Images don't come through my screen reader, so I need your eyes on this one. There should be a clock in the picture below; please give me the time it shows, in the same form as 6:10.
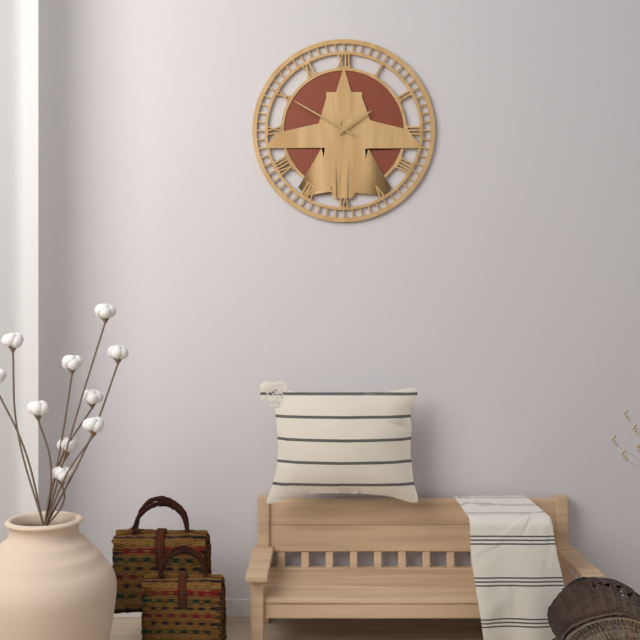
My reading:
1:50
